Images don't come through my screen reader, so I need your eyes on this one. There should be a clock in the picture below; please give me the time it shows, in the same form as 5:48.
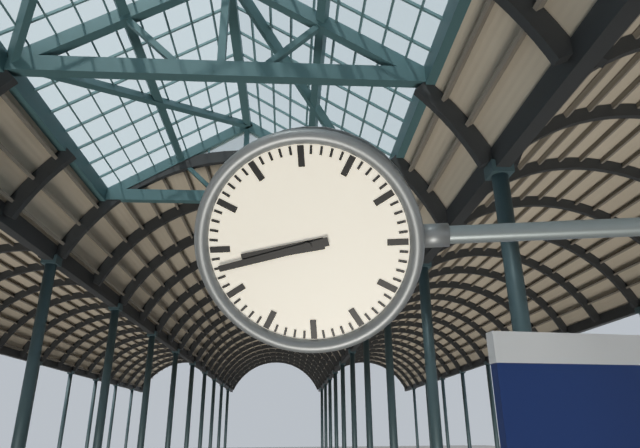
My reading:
8:43
